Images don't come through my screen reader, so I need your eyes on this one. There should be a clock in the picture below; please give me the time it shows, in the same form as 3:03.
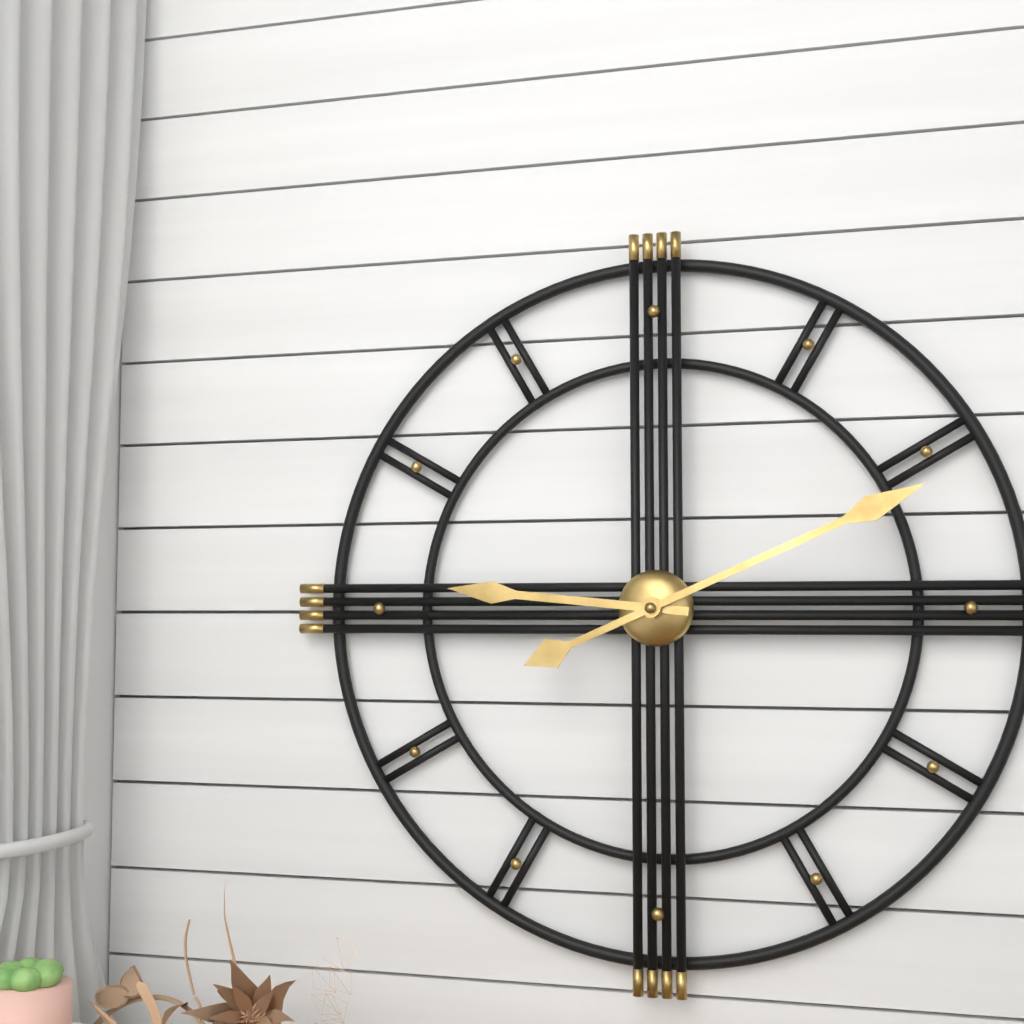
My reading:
9:11
